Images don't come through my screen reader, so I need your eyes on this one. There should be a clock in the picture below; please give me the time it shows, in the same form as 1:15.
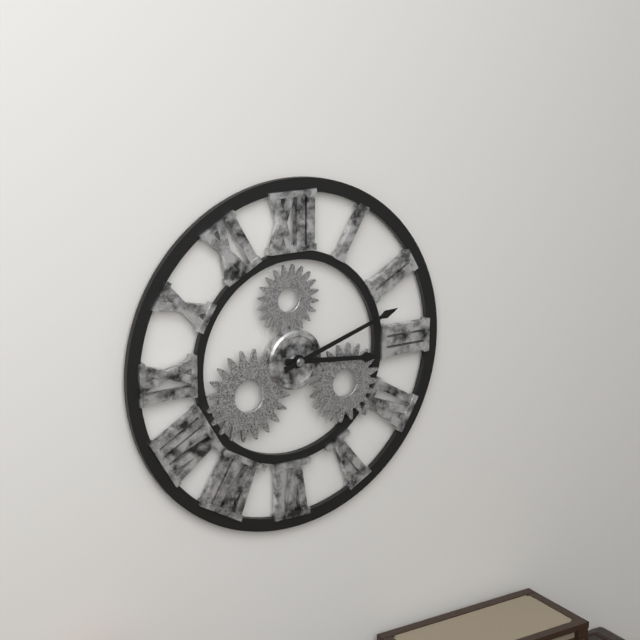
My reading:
3:12
